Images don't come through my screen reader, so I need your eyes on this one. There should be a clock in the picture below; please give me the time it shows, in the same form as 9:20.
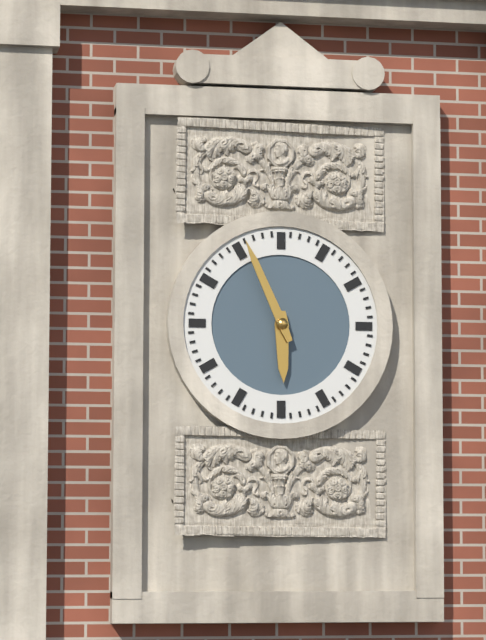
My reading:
5:56
